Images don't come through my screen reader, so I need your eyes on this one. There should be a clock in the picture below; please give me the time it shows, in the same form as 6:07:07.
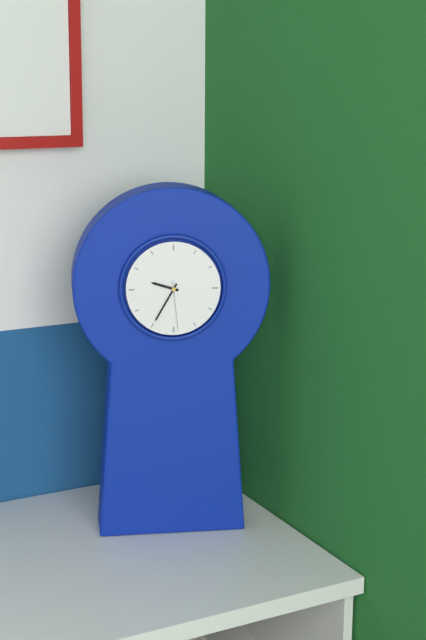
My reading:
9:35:29
